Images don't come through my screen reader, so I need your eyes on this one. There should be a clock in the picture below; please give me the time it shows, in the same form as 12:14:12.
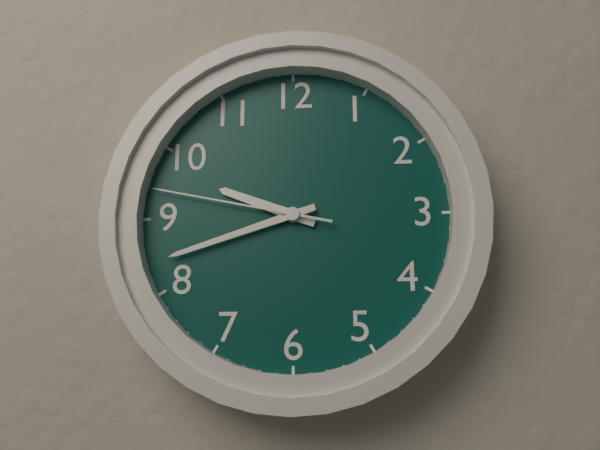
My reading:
9:42:47
